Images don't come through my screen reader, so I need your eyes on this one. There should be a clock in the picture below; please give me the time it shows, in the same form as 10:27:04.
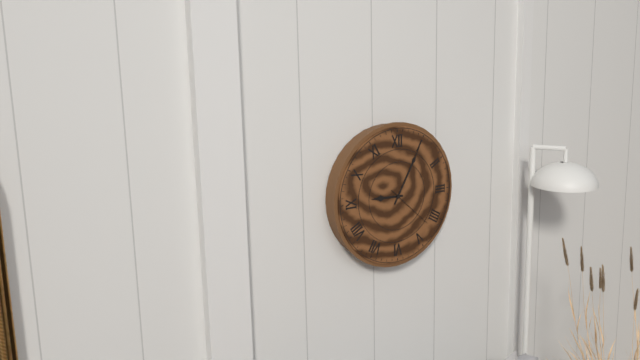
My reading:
9:05:22
